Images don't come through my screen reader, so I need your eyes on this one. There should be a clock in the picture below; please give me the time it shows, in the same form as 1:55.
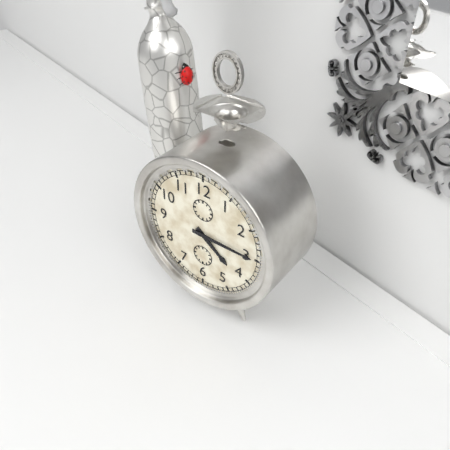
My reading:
4:15
